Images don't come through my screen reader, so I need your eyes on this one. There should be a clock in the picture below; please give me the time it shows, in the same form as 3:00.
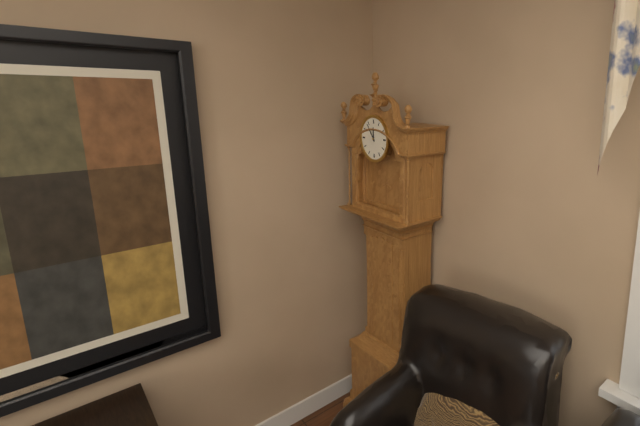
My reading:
11:54
